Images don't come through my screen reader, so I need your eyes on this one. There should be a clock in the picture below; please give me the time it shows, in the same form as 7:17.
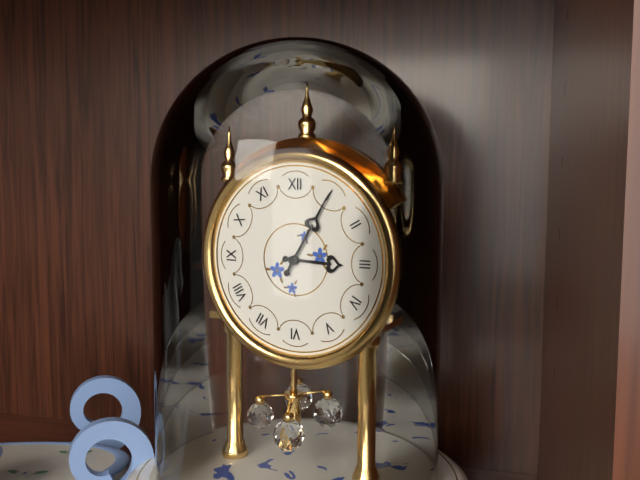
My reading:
3:05
